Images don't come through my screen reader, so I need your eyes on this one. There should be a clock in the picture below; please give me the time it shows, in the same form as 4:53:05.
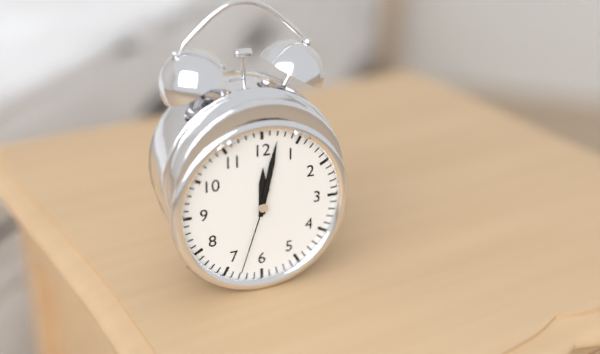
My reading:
12:02:33
